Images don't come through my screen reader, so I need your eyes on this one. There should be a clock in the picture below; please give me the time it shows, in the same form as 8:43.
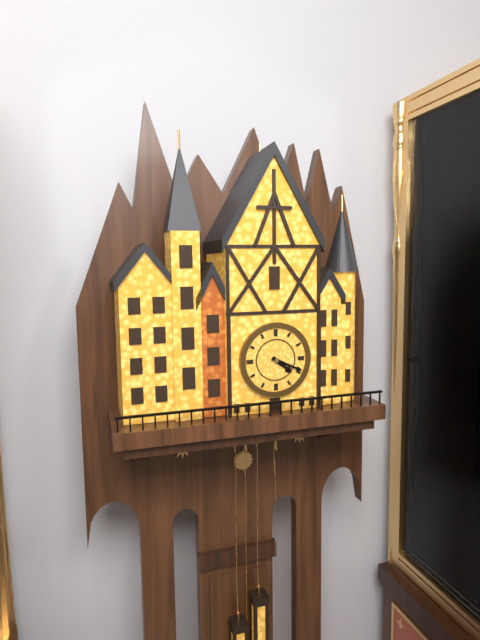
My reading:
4:19
